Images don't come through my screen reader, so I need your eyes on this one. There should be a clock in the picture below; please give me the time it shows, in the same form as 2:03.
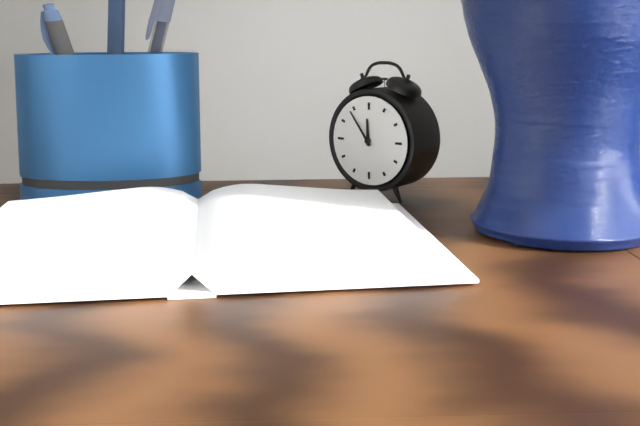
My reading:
11:54
